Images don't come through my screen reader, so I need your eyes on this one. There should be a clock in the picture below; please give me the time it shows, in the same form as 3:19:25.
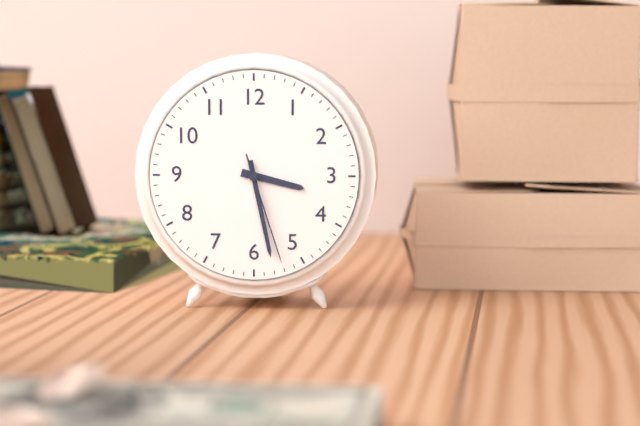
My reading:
3:28:27
